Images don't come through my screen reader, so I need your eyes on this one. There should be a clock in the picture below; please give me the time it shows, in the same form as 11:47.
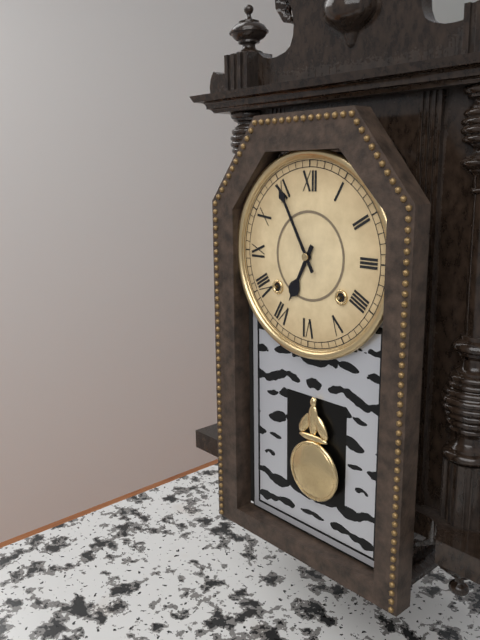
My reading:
6:55
